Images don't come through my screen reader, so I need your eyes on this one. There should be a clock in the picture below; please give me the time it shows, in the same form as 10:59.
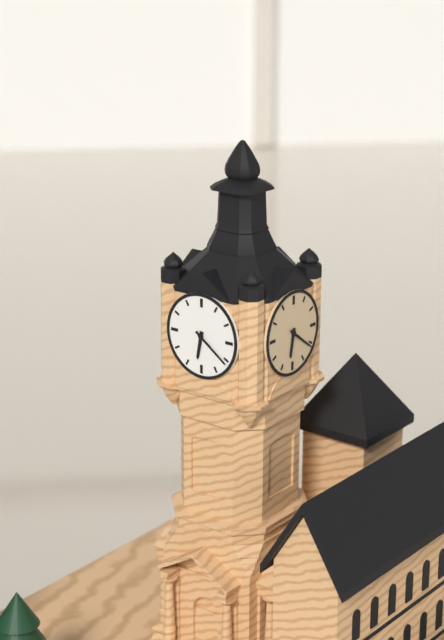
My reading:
6:21
